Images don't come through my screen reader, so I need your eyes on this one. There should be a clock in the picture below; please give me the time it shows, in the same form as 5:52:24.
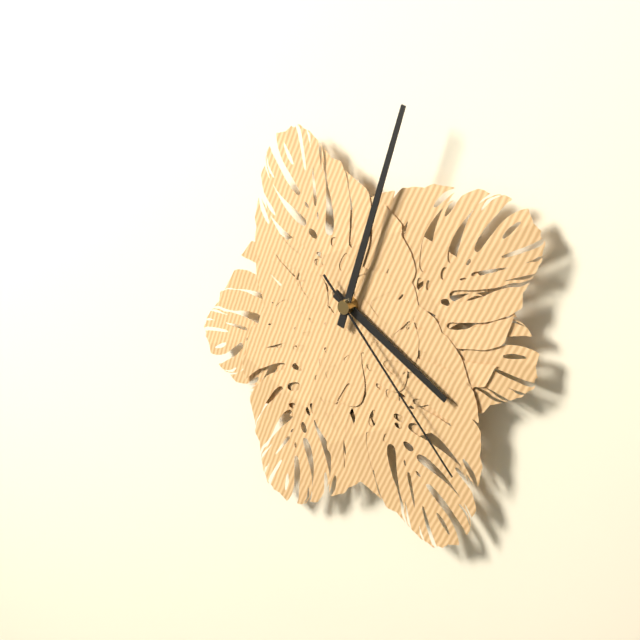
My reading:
4:03:23
